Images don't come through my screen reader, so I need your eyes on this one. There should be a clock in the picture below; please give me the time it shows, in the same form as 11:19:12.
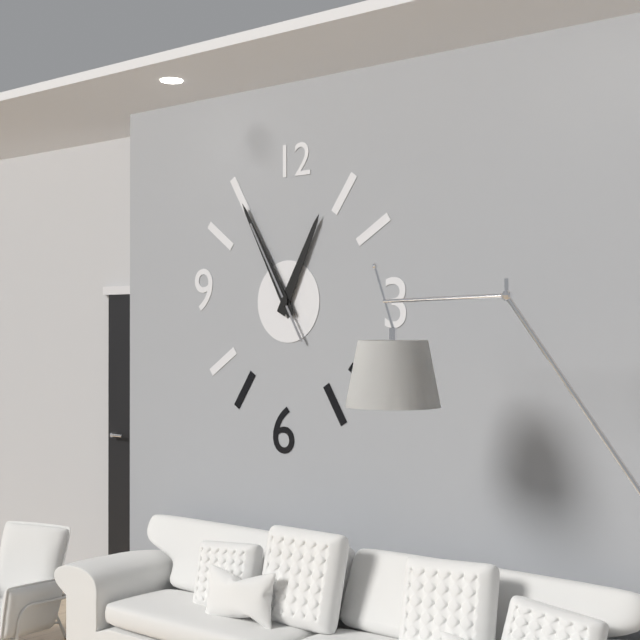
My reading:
12:55:55
